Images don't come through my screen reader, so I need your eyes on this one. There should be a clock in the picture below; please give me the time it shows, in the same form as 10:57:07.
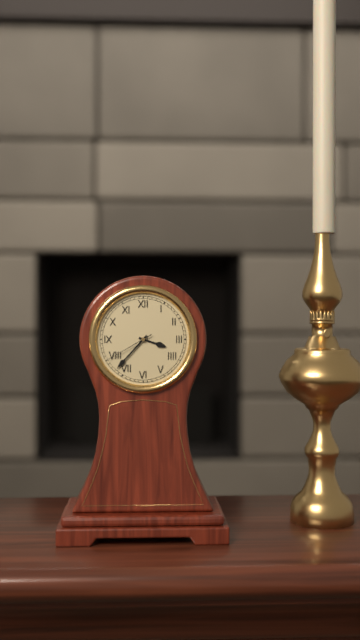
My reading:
3:37:40
